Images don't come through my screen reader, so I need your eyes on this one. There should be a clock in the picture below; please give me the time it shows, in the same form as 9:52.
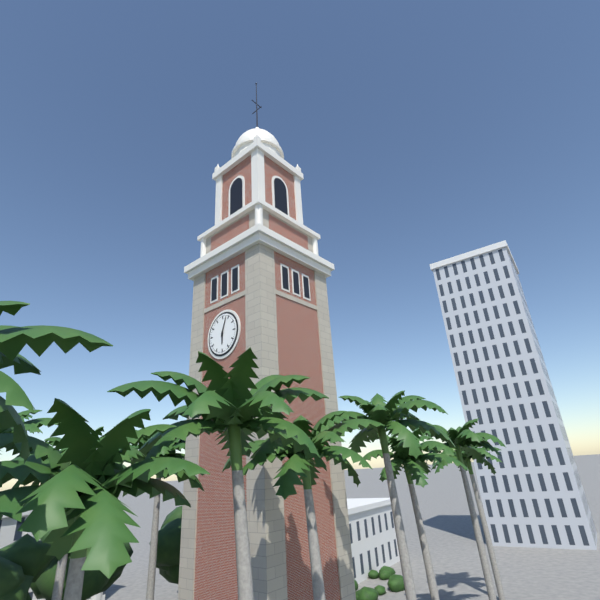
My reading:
6:03
